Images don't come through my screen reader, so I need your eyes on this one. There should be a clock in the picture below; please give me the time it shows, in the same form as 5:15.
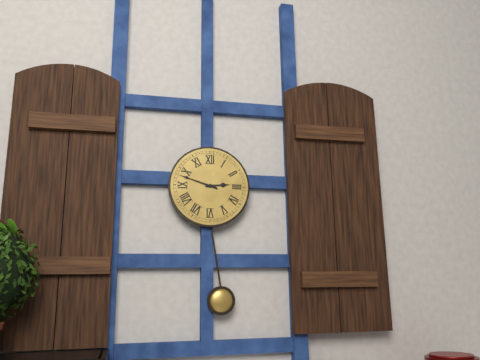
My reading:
2:48
